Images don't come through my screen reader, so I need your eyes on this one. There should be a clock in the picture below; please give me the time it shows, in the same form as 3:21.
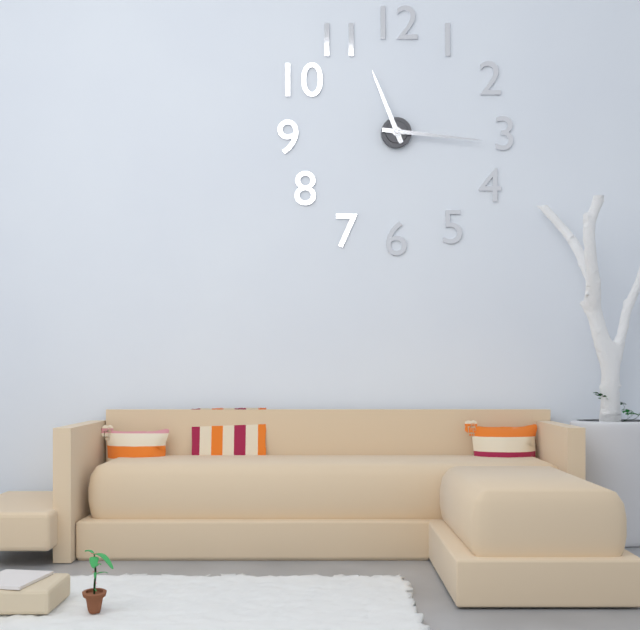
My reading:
11:16
